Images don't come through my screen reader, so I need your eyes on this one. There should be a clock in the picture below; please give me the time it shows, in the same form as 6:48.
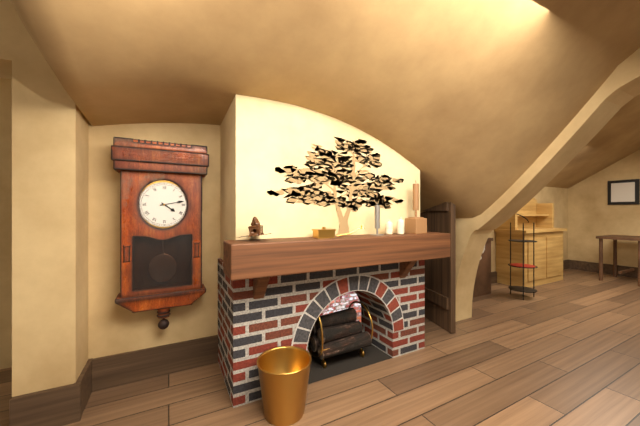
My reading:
4:13
